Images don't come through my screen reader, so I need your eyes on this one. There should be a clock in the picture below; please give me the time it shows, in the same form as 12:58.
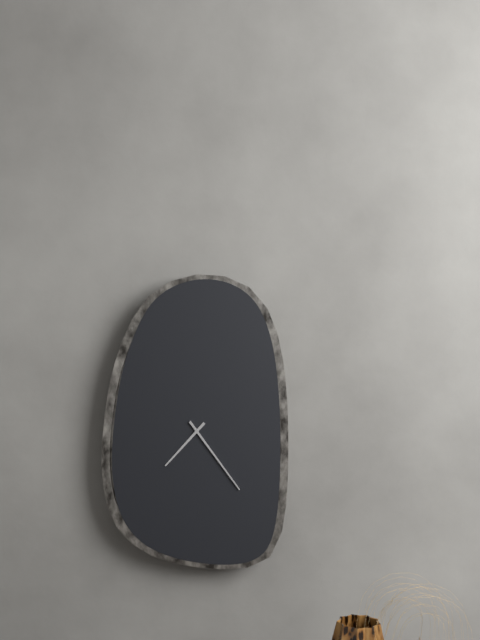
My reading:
7:24
